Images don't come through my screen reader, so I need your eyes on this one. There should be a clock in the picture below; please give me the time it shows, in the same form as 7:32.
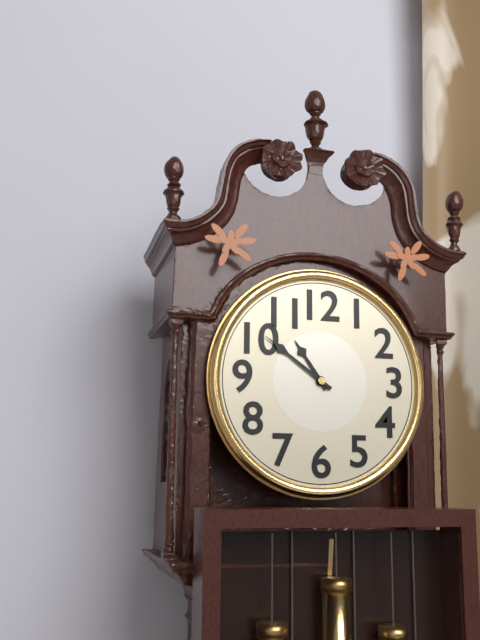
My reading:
10:51
